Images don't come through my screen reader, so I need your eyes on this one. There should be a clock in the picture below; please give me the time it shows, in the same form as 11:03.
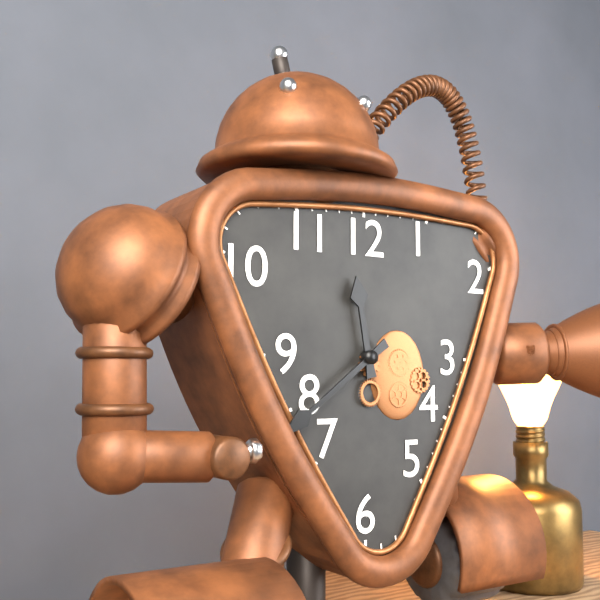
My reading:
11:39
